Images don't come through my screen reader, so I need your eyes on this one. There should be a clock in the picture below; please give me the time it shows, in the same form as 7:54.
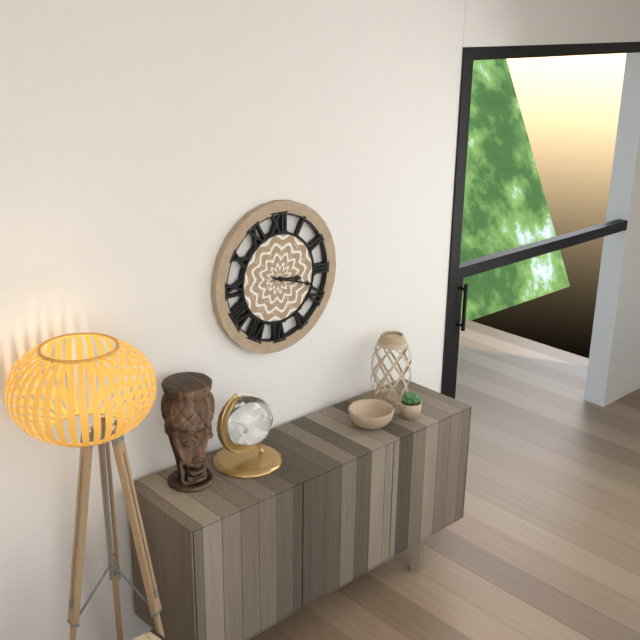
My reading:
3:18
